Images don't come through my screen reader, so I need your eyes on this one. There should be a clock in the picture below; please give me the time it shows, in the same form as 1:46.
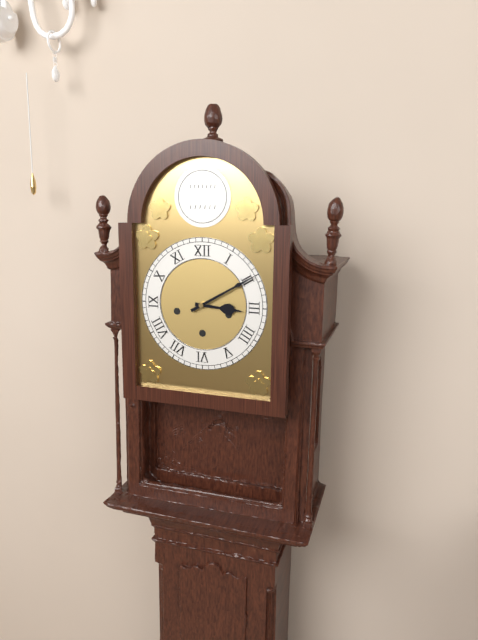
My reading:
3:10
